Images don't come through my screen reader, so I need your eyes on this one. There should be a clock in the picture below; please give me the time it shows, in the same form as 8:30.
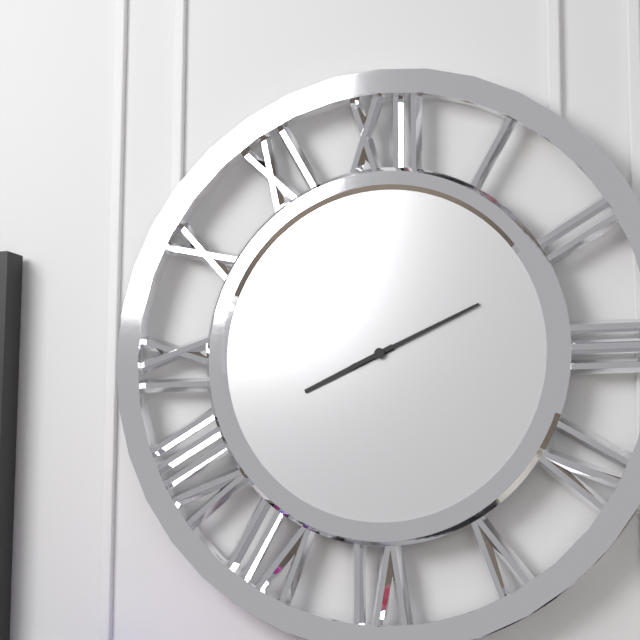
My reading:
8:11
